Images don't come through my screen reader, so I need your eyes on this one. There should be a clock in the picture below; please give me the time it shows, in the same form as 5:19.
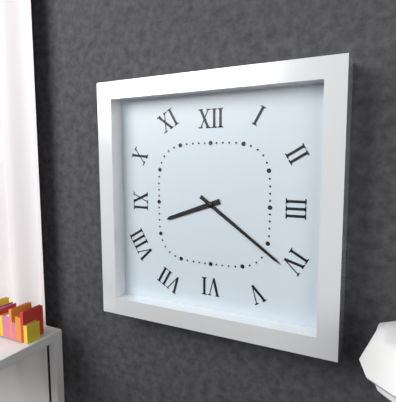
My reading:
8:21
